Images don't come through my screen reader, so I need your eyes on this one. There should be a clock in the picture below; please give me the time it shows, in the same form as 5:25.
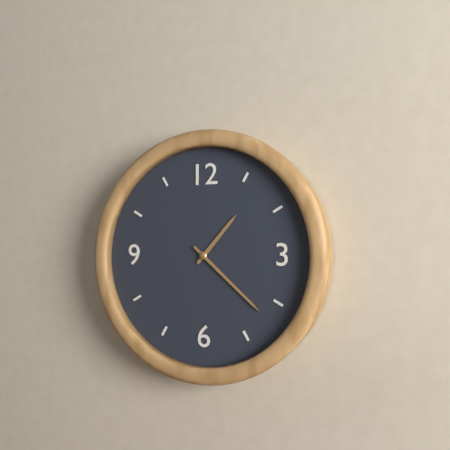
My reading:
1:22
